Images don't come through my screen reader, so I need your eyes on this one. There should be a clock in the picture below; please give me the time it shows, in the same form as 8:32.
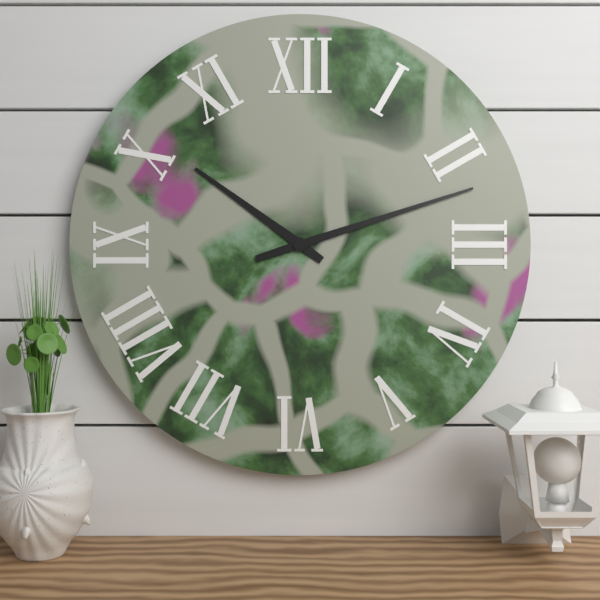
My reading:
10:12
